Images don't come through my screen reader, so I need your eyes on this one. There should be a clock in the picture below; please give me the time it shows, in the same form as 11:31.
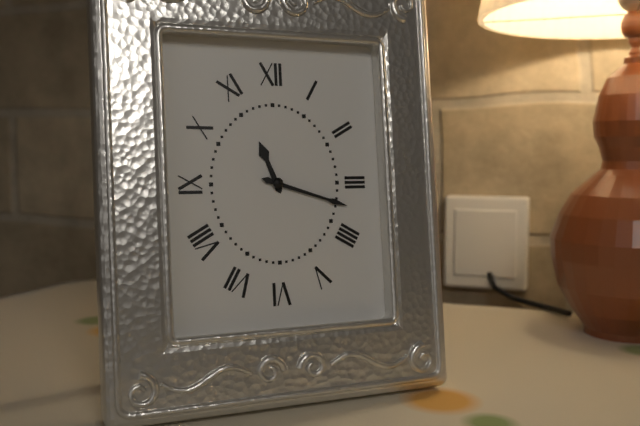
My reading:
11:18
